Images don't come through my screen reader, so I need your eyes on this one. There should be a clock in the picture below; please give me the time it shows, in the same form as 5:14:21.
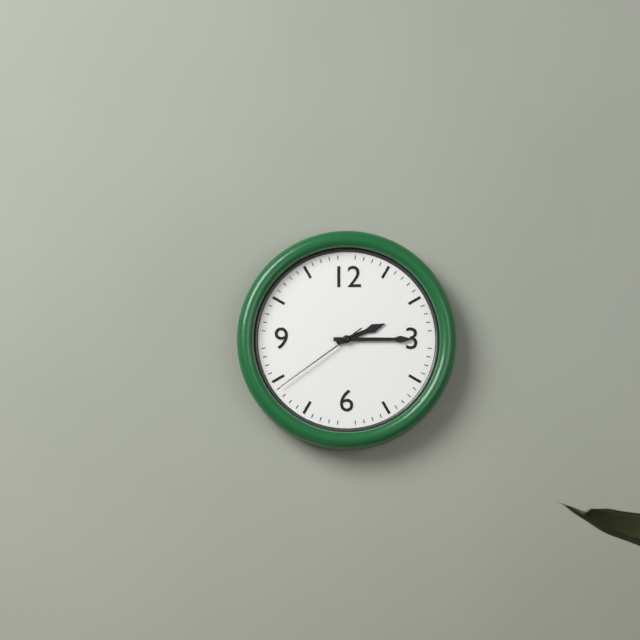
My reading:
2:15:39
